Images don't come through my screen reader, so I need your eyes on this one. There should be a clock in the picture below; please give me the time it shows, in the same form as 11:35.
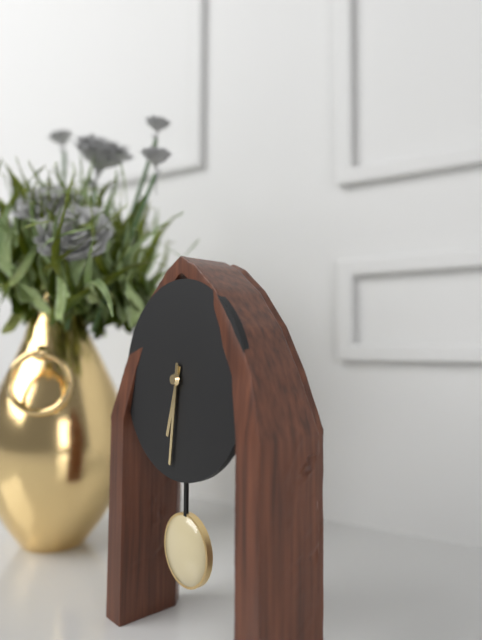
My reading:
6:31
